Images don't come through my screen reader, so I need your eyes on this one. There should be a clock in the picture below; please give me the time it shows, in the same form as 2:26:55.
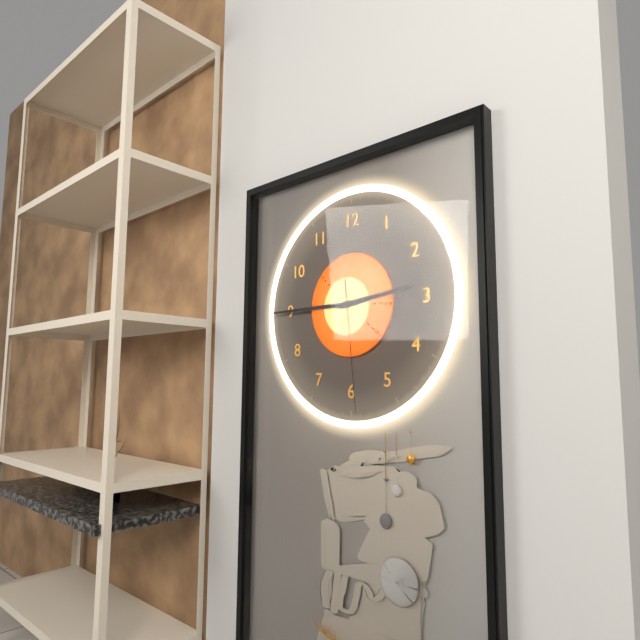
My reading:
2:45:29
